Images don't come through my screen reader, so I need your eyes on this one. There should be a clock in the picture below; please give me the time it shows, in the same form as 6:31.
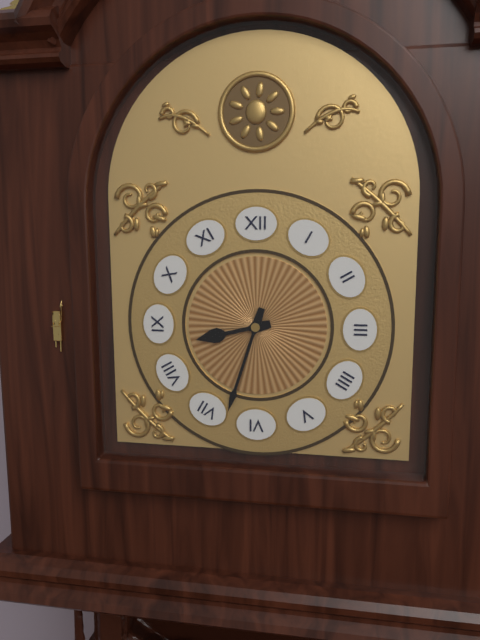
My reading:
8:33
